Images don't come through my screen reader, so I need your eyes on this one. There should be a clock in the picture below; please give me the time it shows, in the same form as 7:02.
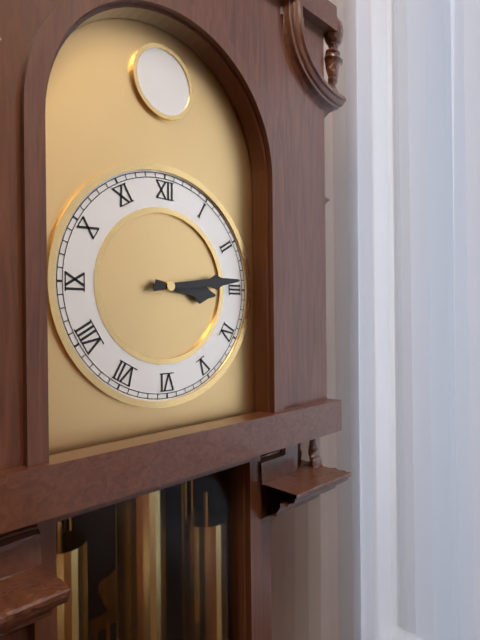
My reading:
3:14
